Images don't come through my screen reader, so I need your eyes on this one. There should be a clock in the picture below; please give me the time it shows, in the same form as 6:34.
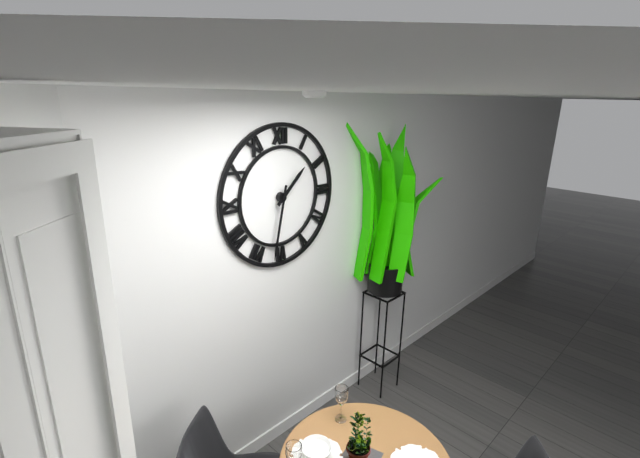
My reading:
1:32
